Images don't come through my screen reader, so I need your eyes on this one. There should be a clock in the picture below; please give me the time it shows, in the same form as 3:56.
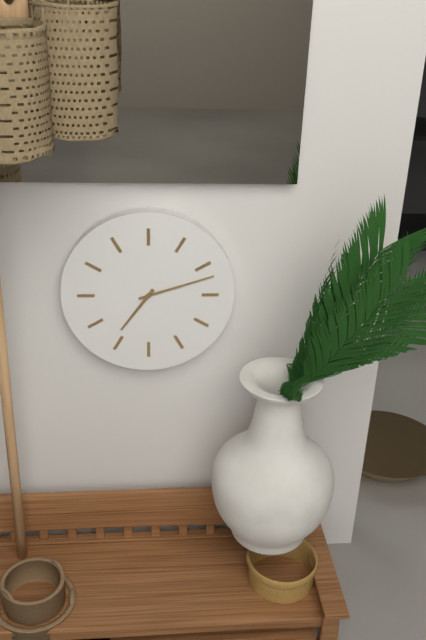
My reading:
7:12
